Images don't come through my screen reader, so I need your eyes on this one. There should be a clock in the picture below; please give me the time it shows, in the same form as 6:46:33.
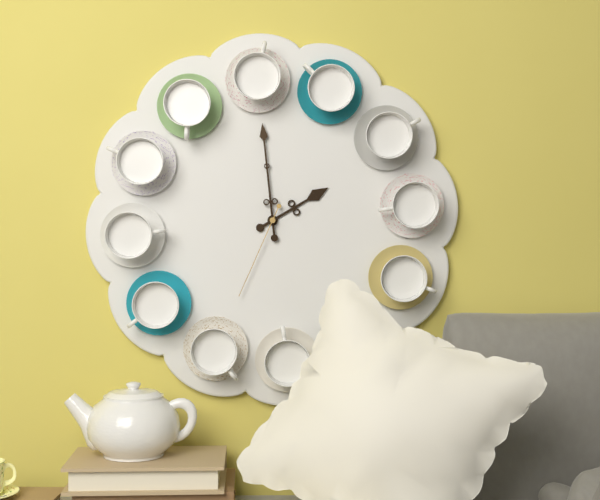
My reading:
1:59:34
